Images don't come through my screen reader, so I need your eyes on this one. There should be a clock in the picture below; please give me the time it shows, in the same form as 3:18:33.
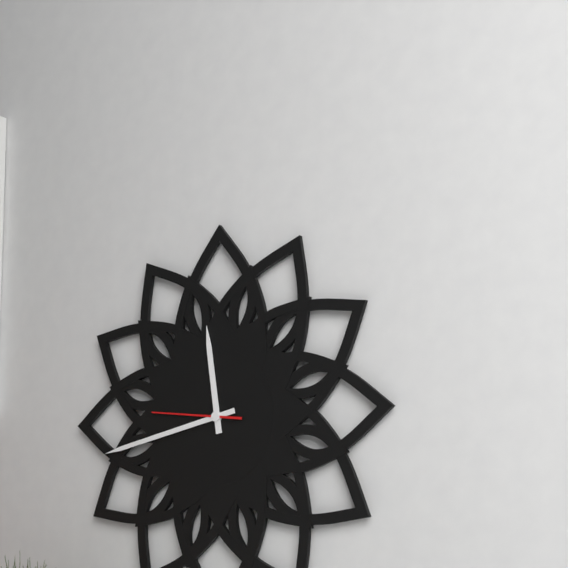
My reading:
11:43:46
